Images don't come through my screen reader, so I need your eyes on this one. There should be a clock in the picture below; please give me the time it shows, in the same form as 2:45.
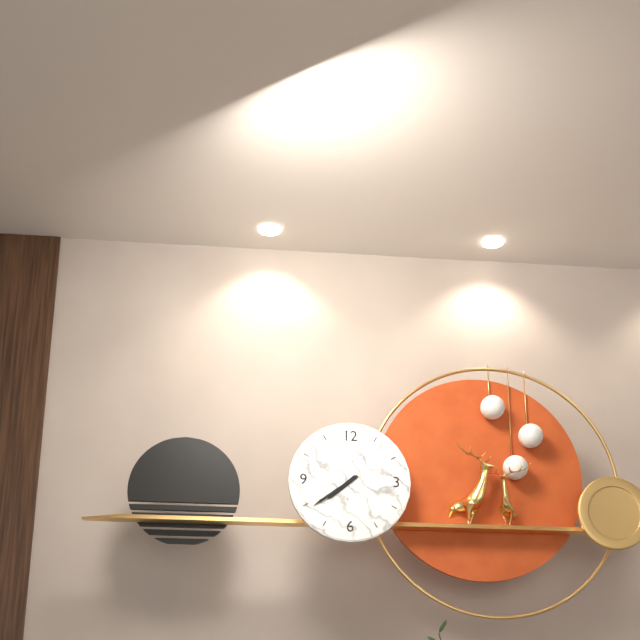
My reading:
7:39
